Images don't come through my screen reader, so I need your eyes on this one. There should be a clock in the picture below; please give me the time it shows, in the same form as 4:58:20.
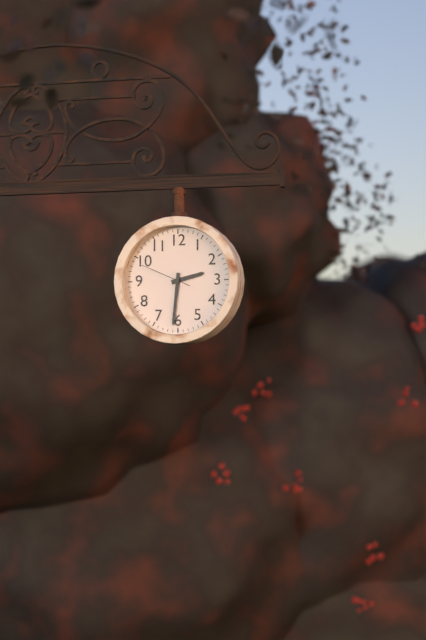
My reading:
2:31:49
